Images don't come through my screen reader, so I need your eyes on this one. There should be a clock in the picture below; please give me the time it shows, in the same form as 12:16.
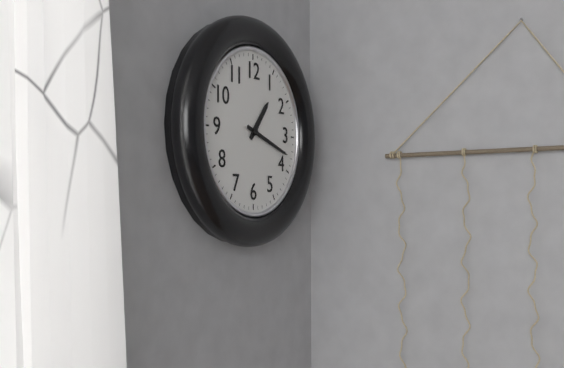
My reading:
1:18
